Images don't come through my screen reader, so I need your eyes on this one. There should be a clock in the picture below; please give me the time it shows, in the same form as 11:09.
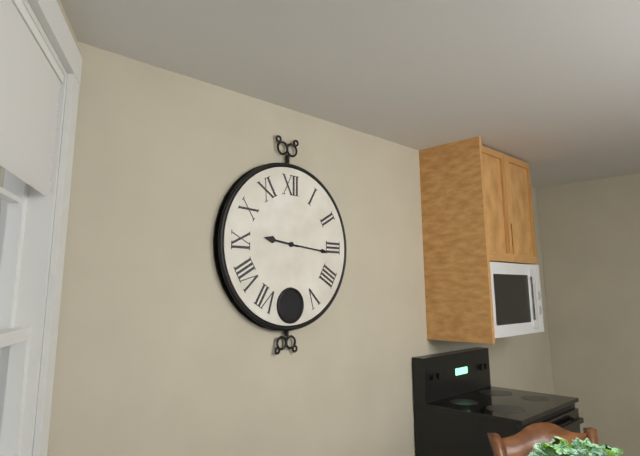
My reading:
9:16
